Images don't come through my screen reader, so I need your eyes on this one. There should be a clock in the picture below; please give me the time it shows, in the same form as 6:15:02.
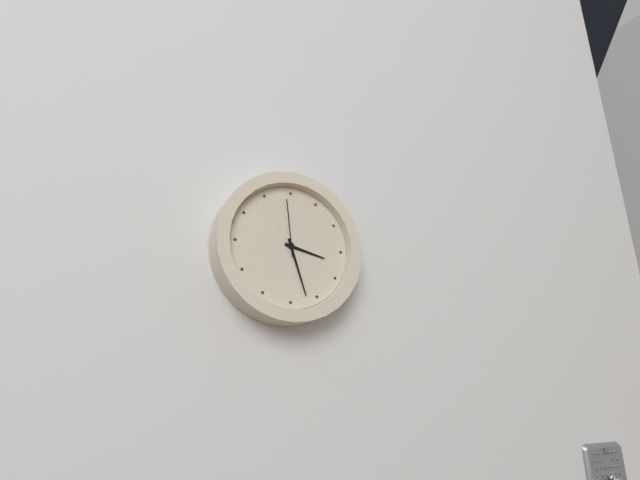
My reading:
3:27:59
